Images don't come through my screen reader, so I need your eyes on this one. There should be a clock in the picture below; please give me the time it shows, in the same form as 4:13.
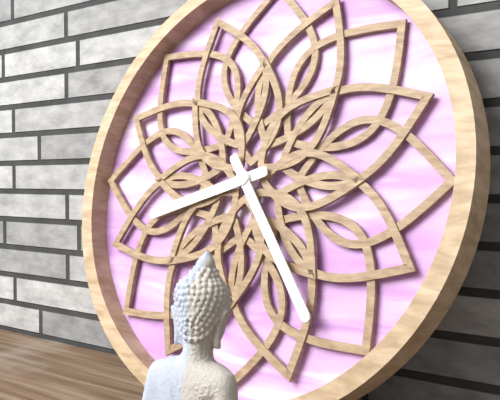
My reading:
8:24
